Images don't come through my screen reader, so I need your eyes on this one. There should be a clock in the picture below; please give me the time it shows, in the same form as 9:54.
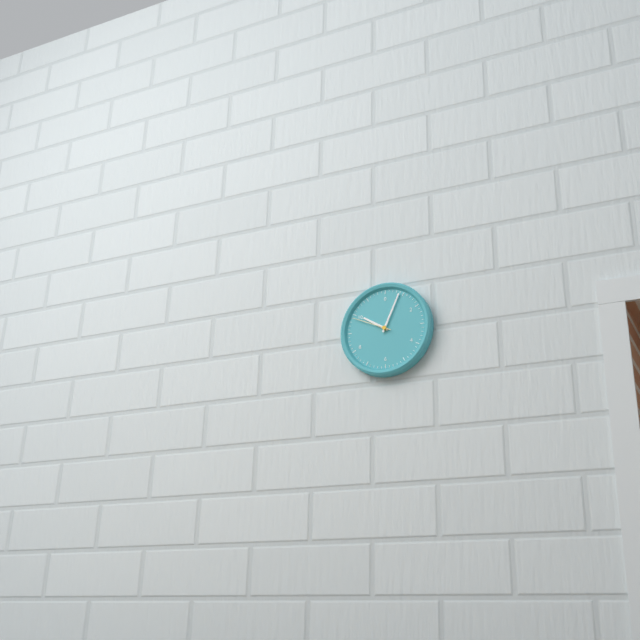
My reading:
10:04
